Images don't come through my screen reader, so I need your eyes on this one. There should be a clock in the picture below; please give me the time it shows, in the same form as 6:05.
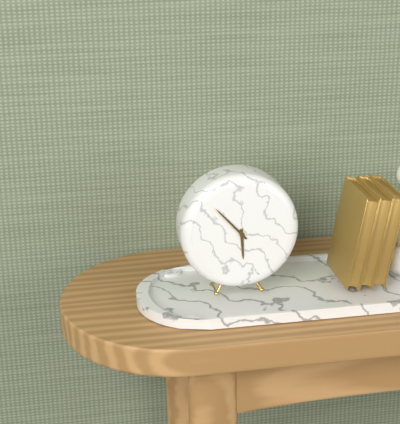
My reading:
5:53
